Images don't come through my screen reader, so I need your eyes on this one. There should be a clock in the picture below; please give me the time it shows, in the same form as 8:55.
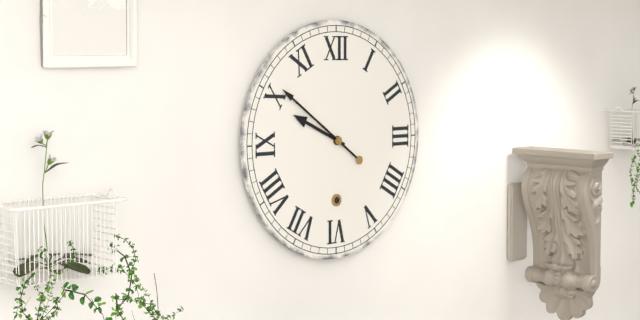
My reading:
9:51
